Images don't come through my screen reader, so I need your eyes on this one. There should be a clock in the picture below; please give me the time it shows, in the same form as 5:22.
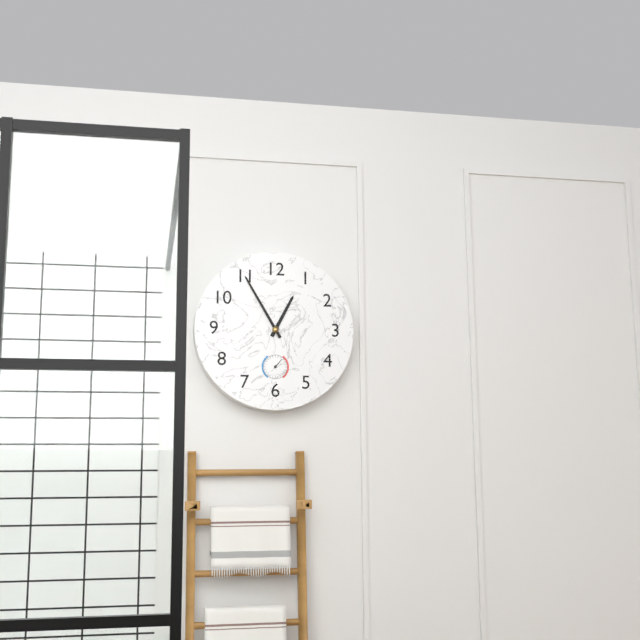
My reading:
12:55
